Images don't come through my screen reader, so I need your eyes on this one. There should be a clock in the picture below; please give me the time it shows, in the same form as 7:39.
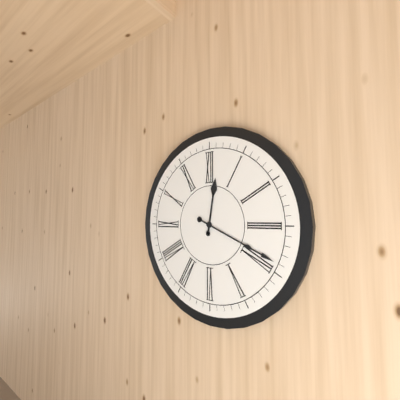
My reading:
12:19
